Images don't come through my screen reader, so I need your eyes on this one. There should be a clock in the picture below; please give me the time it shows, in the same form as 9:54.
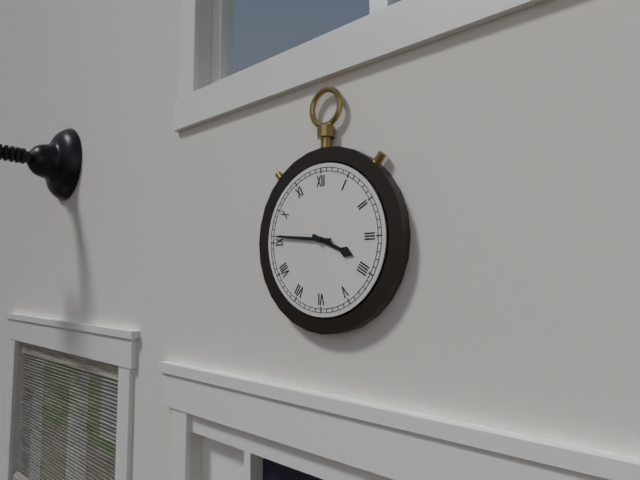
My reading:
3:46
